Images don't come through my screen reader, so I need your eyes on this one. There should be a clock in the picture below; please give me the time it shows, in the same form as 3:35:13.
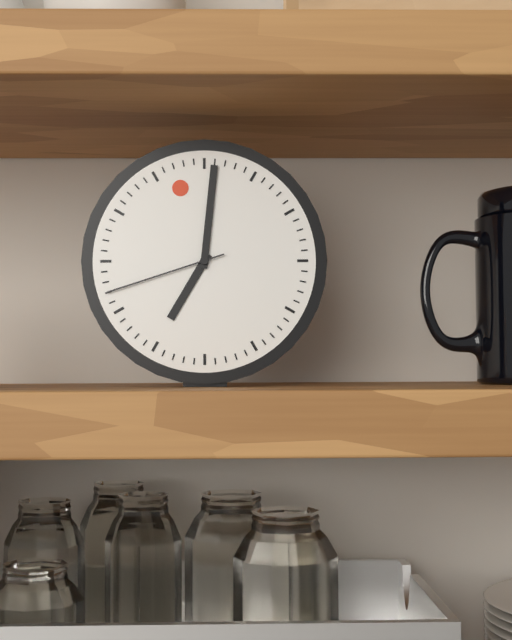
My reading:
7:01:42
